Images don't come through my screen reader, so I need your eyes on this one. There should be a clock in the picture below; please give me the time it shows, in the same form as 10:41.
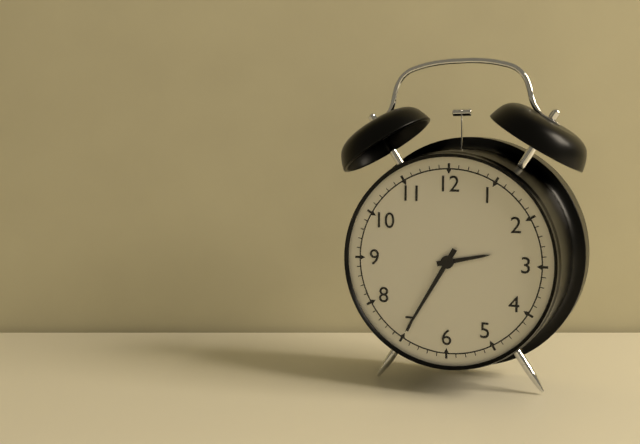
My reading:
2:35
